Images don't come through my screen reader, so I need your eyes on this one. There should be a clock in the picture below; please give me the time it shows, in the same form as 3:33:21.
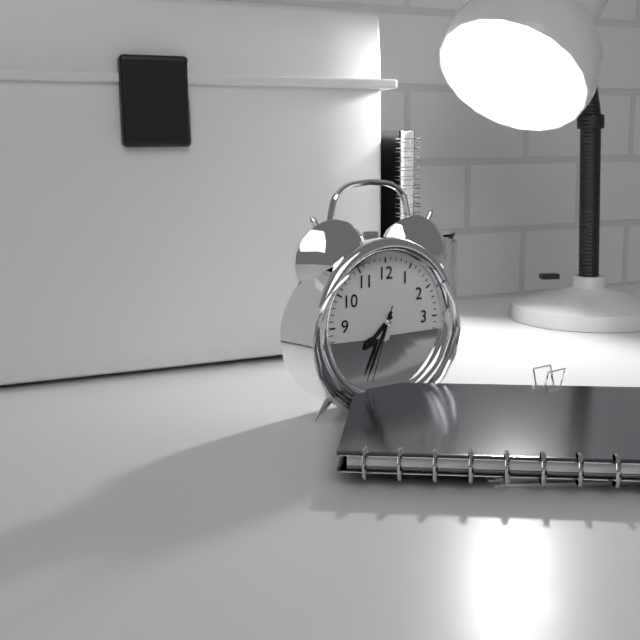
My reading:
7:34:33
